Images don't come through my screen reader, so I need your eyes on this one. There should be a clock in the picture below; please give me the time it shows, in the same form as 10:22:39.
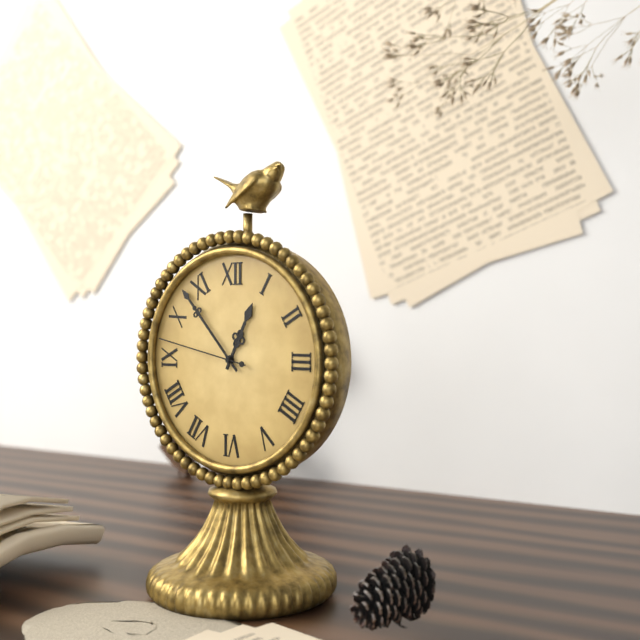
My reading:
12:53:47
